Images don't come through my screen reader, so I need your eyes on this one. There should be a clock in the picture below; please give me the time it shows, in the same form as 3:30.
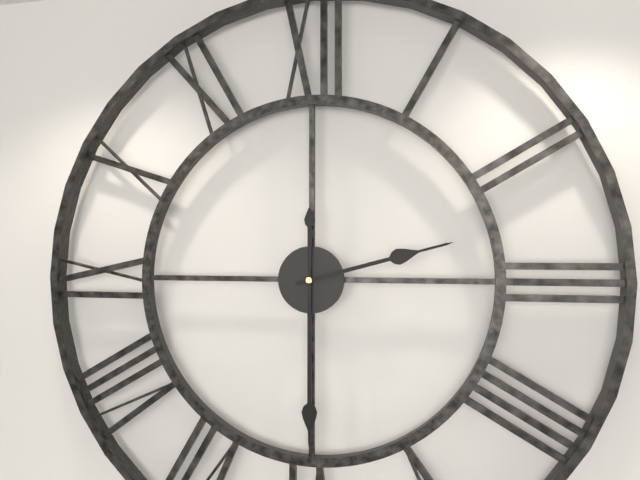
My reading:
2:30
